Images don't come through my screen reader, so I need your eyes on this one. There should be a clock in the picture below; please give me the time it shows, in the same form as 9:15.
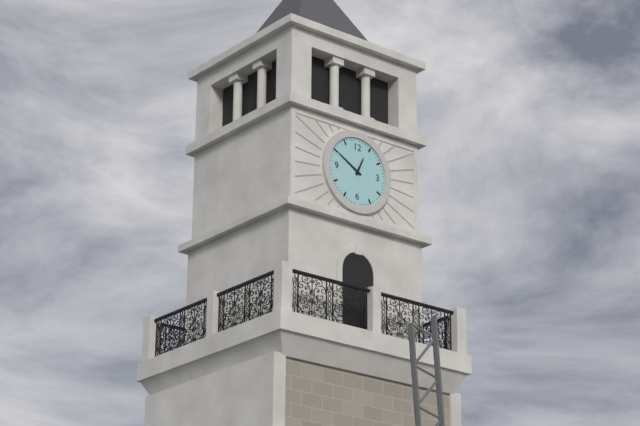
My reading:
12:50
